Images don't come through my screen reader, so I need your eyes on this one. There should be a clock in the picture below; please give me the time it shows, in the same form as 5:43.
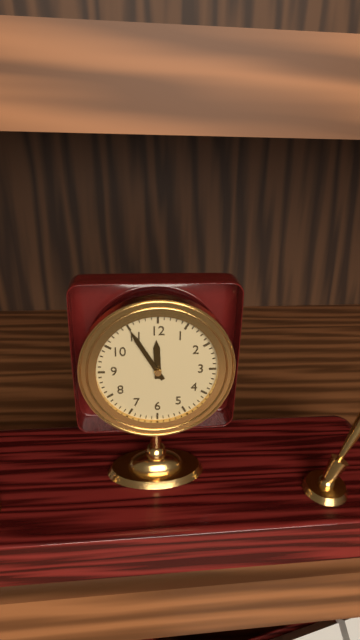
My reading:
11:55
